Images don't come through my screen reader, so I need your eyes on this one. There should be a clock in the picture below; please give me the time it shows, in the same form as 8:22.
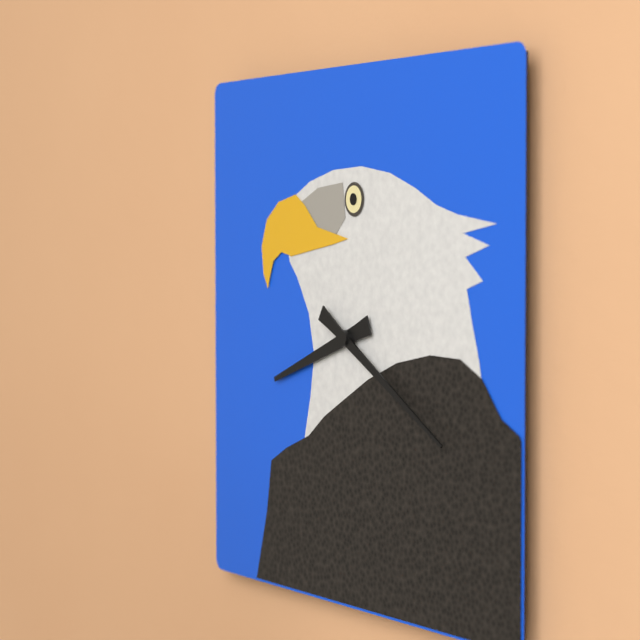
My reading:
8:20
